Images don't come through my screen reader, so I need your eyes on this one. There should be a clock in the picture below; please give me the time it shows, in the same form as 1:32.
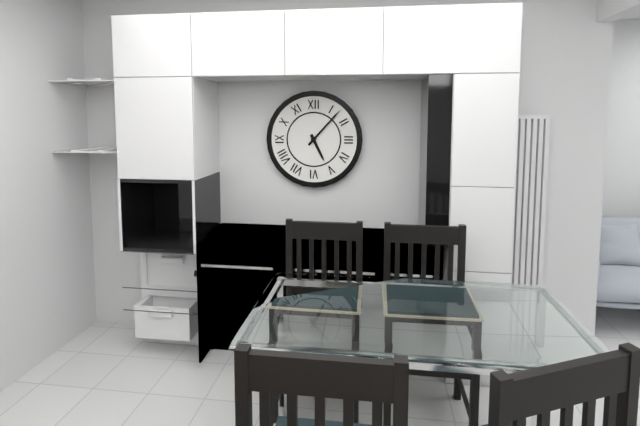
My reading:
5:07
